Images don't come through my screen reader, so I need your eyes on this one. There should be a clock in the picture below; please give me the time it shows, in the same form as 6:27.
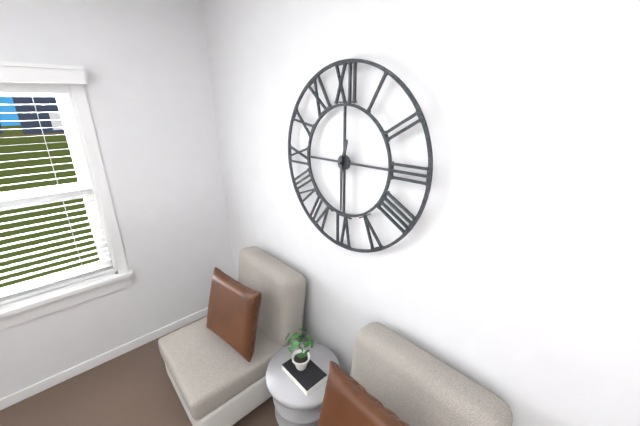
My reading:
12:30
